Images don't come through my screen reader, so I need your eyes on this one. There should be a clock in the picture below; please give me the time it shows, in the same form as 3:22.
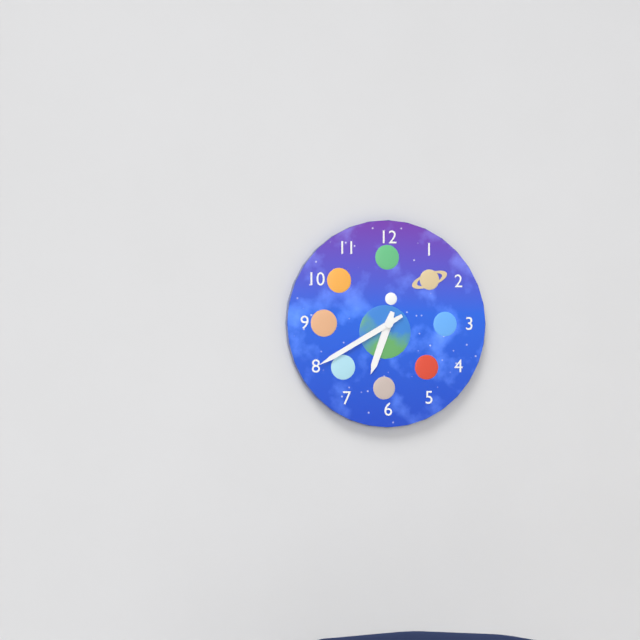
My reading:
6:40
